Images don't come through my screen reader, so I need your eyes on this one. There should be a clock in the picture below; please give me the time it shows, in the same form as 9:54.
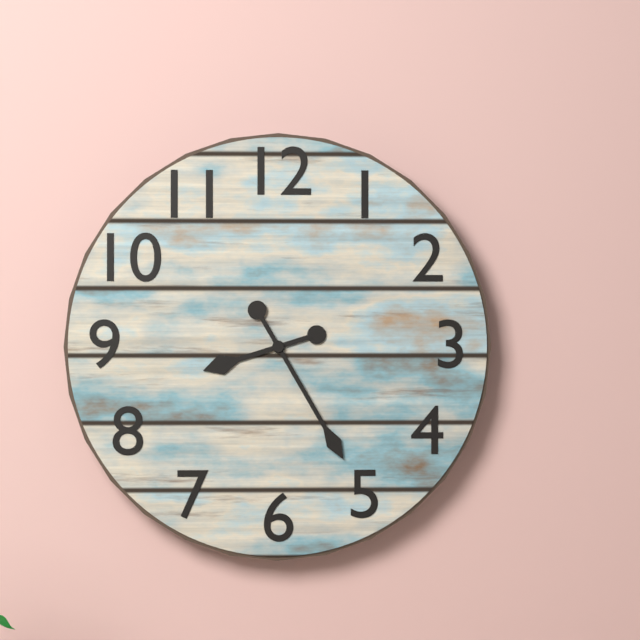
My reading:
8:25
